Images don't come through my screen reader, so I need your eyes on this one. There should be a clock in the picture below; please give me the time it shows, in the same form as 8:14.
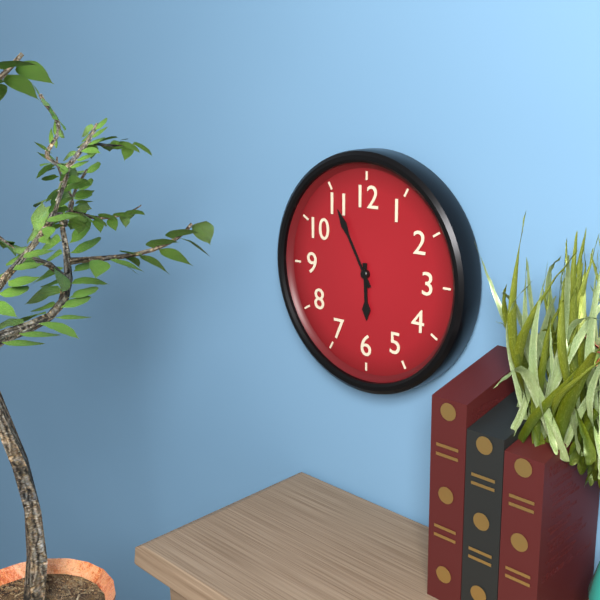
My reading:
5:55
